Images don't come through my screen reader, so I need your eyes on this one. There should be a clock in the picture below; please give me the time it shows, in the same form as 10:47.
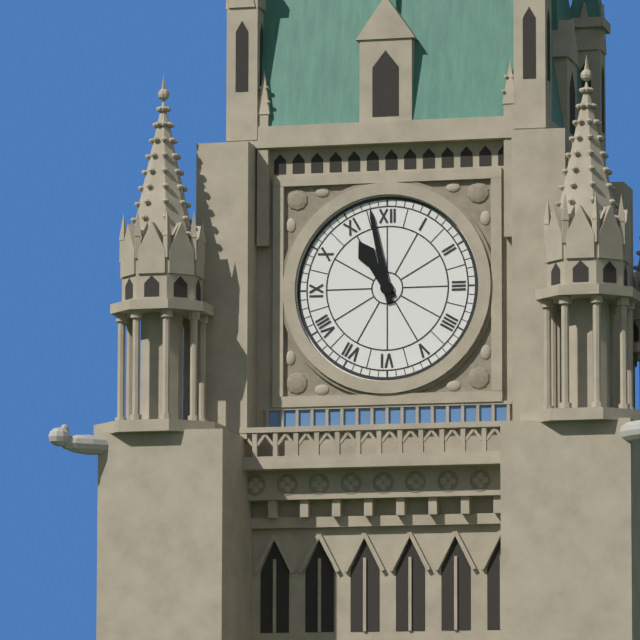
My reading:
10:58
